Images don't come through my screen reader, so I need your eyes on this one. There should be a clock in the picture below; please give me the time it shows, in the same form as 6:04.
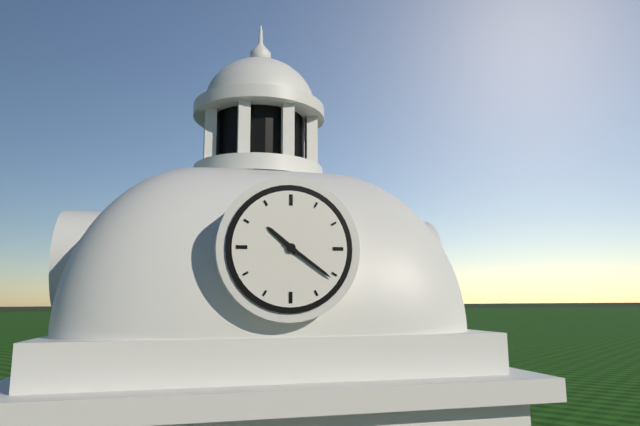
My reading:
10:21
